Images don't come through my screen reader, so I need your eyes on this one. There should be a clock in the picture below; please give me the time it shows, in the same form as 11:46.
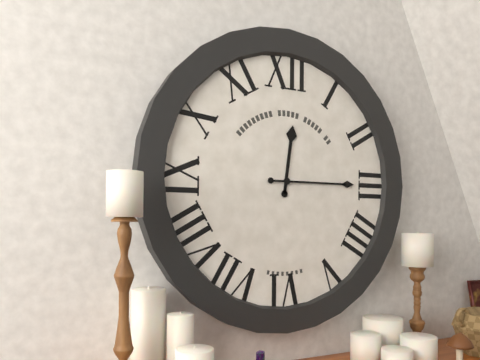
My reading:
12:15
